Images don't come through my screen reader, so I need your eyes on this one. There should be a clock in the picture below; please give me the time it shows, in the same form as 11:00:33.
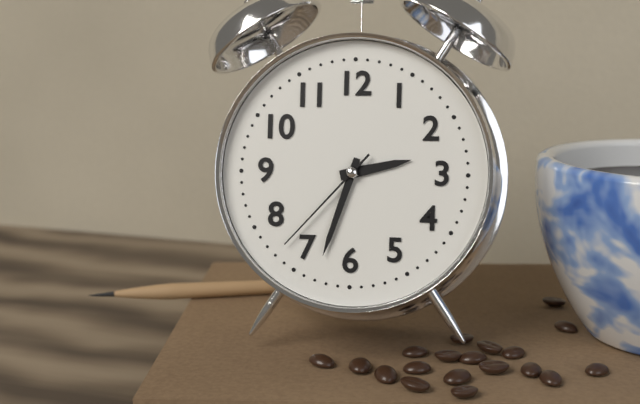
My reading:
2:33:37
